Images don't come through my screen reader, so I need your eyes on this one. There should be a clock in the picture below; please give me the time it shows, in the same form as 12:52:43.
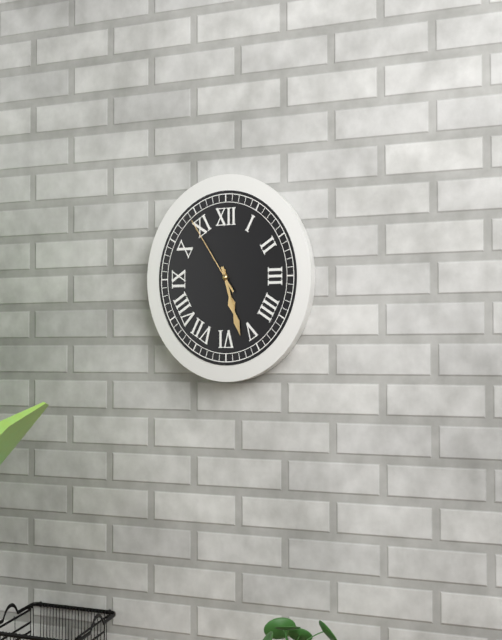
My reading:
5:27:54
